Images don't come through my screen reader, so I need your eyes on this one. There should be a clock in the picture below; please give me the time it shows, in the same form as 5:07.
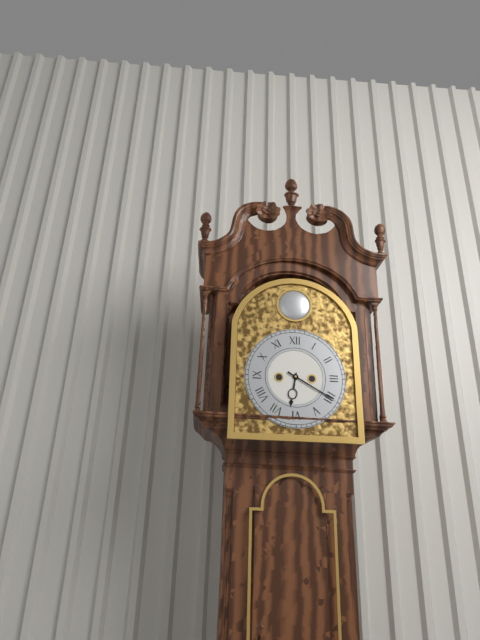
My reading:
6:20
